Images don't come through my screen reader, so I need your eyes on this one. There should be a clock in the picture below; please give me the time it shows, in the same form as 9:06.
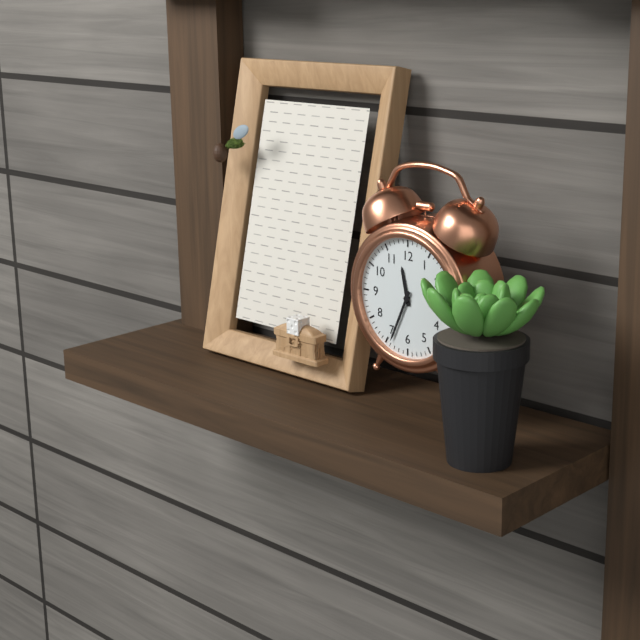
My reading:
11:34
